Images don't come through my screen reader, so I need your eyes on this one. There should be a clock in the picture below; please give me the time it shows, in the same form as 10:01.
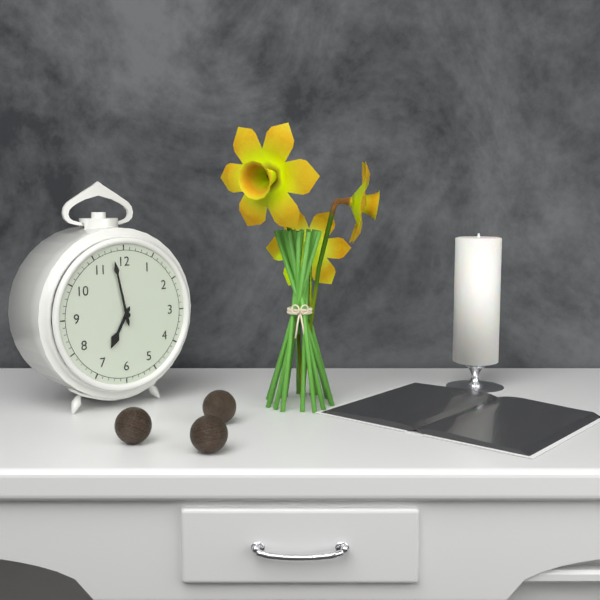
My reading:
6:58
